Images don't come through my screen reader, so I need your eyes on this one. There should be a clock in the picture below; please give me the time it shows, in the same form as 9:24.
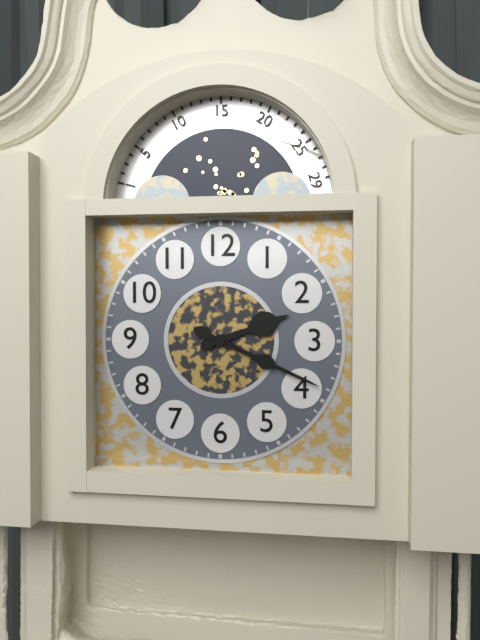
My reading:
2:19
